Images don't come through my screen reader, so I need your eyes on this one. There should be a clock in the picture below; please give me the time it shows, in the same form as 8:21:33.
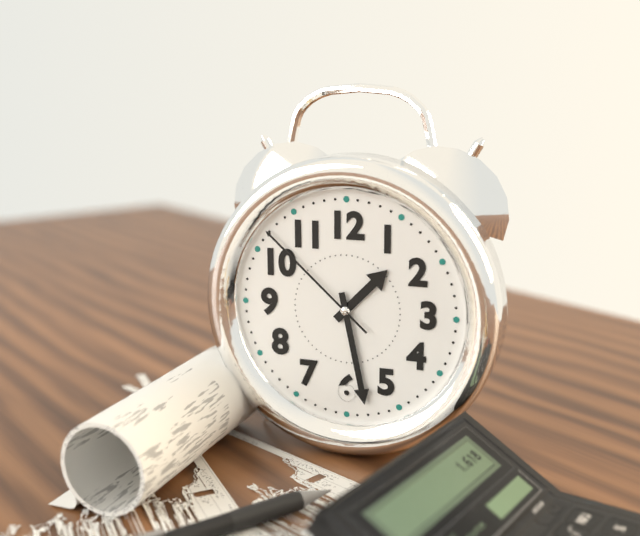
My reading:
1:28:52
